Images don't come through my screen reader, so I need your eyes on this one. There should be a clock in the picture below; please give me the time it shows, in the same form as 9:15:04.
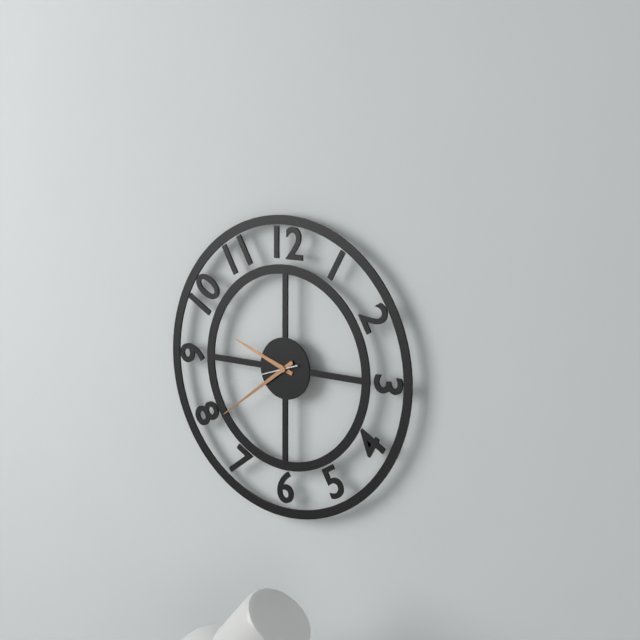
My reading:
9:39:42
